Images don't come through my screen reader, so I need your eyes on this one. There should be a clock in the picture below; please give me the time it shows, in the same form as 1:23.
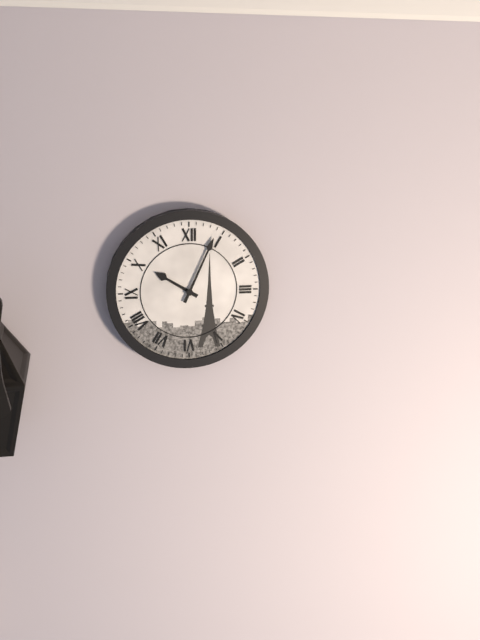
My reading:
10:04
